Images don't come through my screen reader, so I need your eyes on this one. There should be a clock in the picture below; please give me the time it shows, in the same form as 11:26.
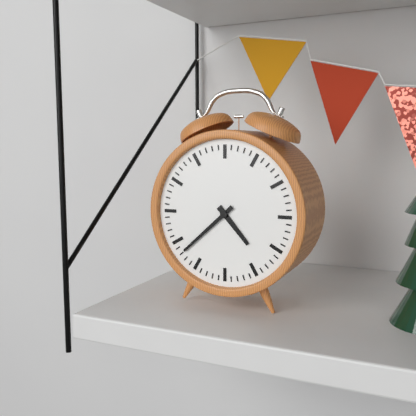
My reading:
4:38
